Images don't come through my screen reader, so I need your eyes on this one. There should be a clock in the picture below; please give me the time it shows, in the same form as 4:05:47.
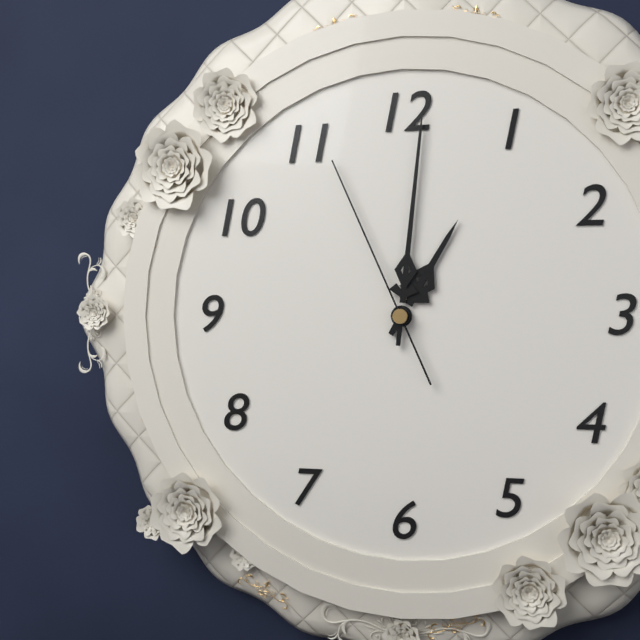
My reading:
1:01:56
